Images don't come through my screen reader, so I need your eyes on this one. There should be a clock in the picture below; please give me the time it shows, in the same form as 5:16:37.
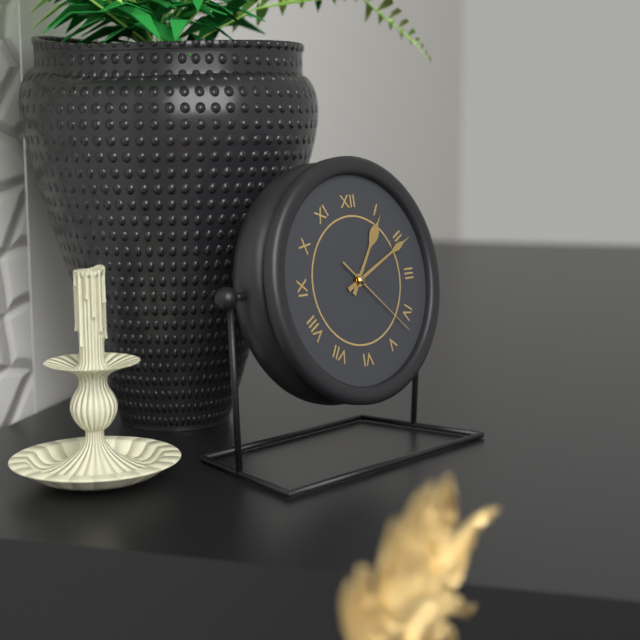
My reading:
1:11:22
